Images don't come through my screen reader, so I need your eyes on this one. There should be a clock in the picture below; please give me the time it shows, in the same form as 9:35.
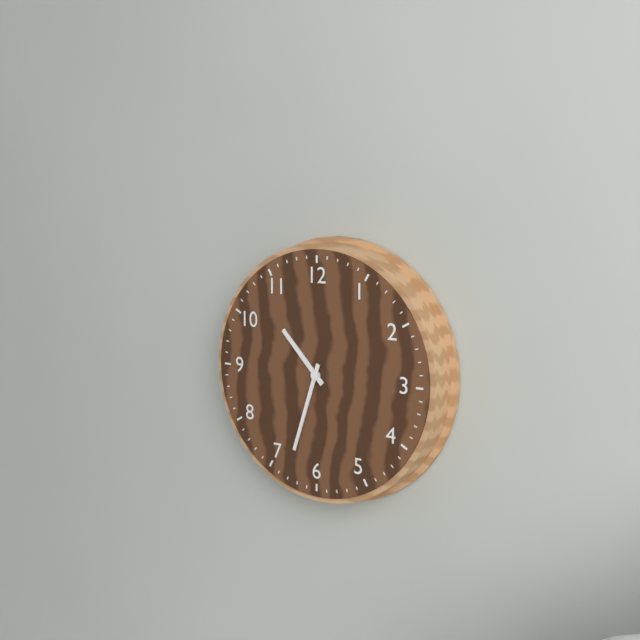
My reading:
10:33
